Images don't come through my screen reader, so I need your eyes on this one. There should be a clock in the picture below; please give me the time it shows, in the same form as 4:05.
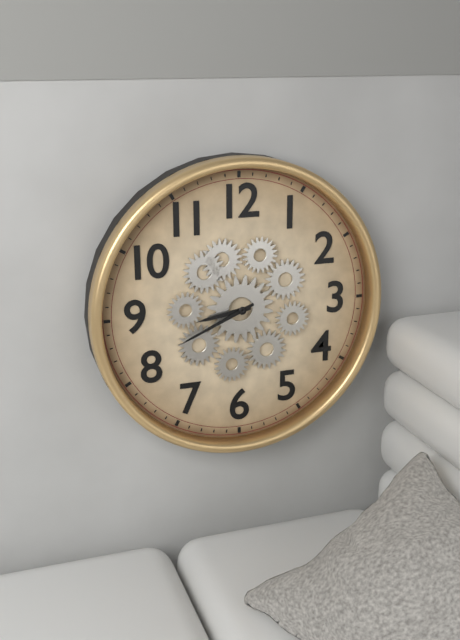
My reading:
8:41
